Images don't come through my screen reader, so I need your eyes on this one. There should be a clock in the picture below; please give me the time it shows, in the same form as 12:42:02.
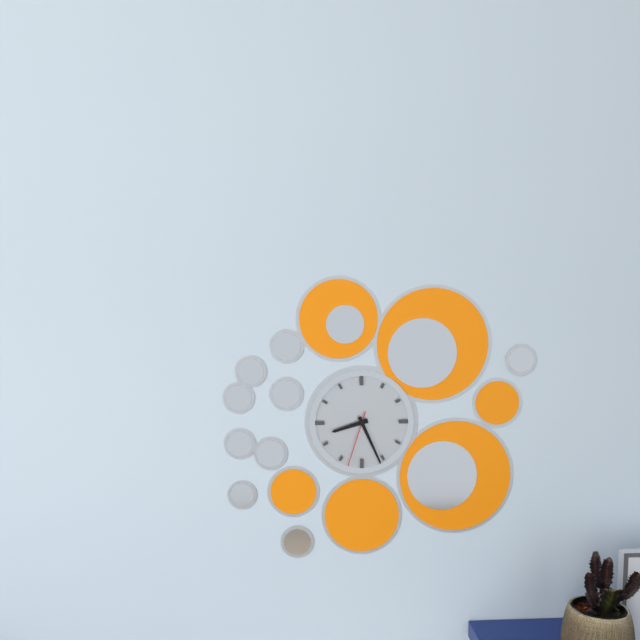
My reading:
8:26:33
